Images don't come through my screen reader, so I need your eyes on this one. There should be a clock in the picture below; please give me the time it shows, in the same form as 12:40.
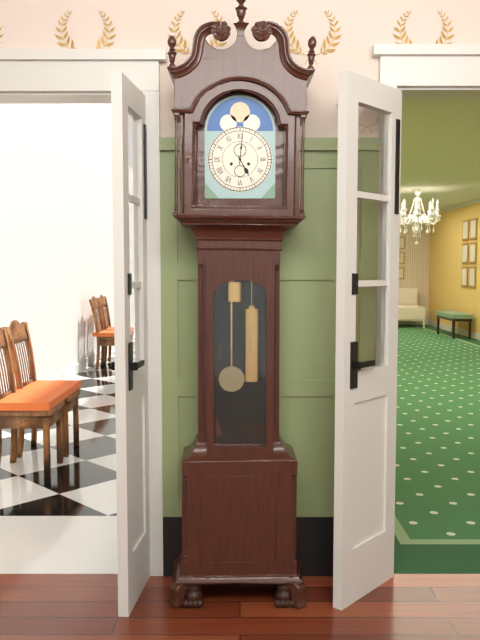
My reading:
5:01
